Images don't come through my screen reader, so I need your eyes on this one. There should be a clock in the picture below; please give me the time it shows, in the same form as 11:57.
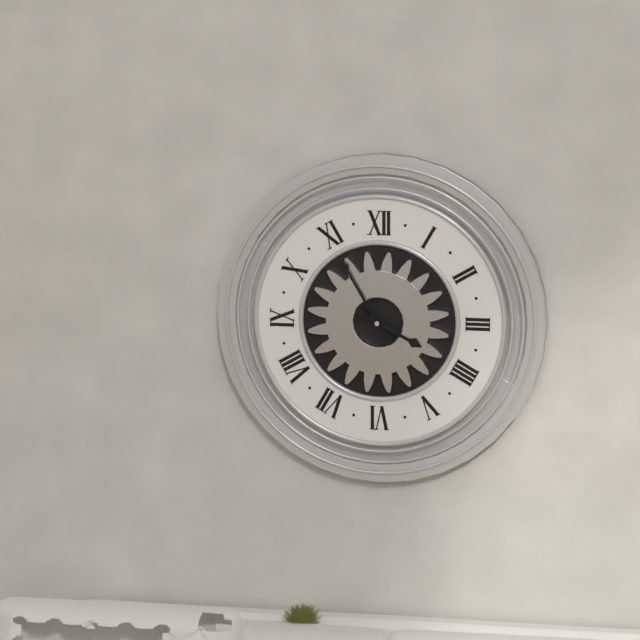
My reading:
3:55
